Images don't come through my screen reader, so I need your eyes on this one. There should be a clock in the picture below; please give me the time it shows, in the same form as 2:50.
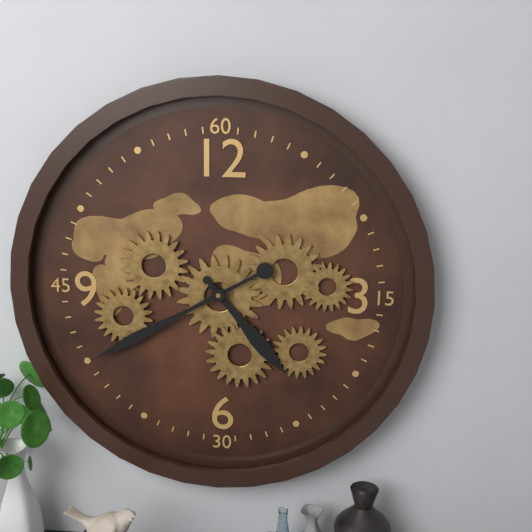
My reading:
4:40
